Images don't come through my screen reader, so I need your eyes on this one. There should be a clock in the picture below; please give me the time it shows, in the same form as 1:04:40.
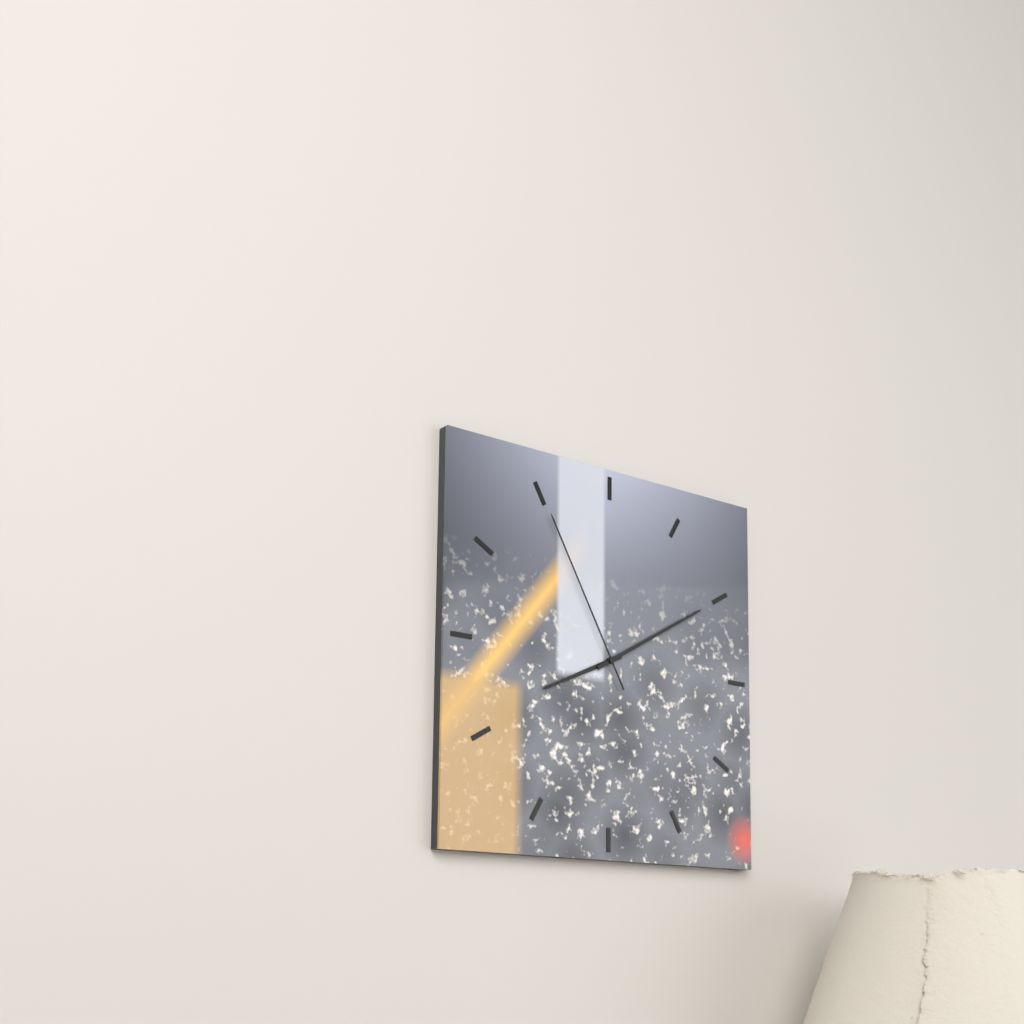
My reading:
8:10:55
